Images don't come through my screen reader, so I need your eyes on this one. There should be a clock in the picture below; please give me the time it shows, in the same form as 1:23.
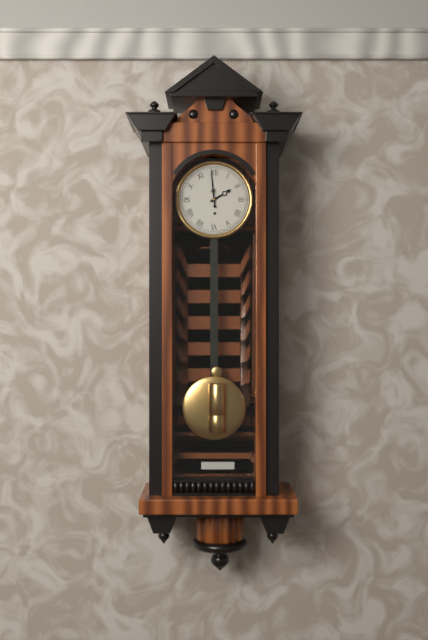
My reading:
1:59
